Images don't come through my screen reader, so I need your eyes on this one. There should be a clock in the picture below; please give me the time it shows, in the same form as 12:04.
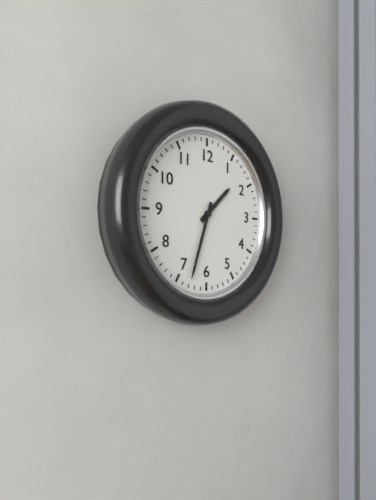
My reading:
1:33
